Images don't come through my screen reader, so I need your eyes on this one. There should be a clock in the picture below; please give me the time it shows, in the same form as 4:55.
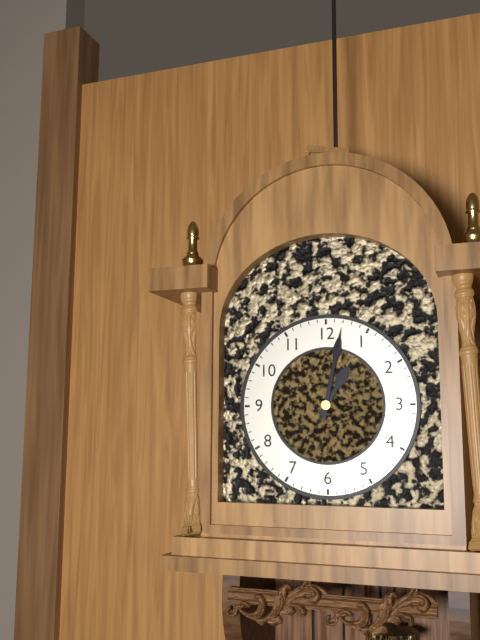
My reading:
1:02
